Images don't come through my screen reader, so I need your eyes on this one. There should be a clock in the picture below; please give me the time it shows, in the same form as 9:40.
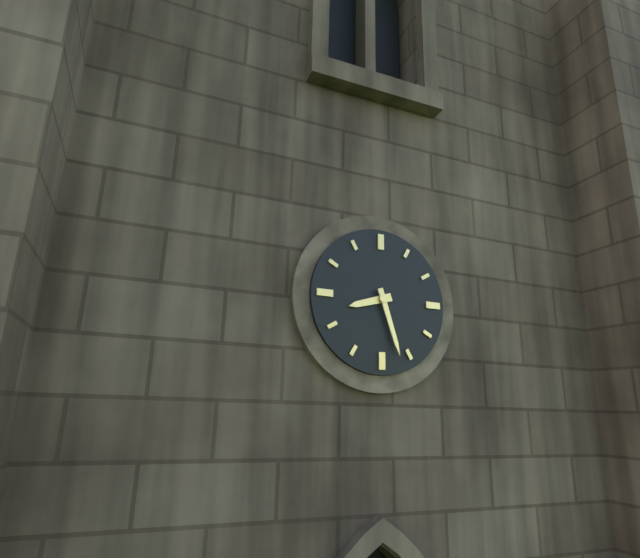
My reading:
8:27
